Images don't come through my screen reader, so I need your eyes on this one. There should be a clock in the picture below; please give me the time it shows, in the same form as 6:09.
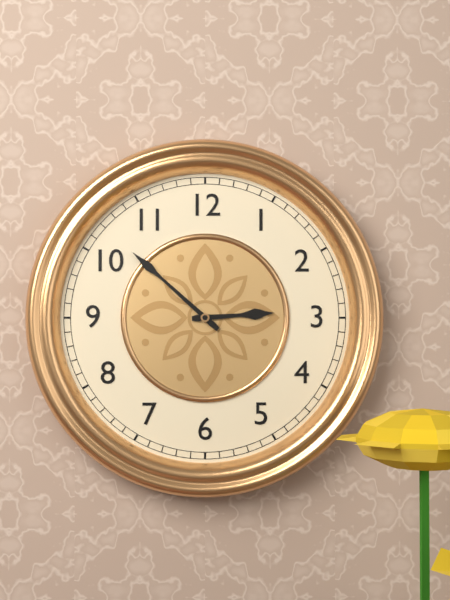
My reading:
2:52
